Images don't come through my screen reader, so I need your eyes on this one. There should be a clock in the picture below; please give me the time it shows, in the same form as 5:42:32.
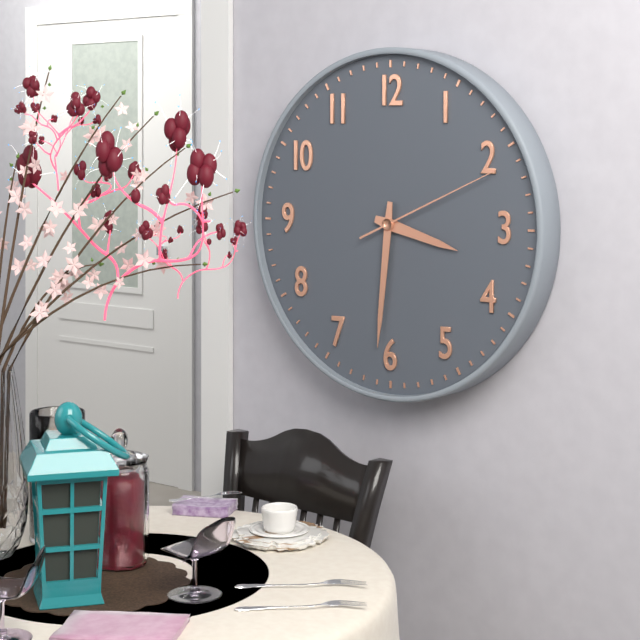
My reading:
3:31:11
